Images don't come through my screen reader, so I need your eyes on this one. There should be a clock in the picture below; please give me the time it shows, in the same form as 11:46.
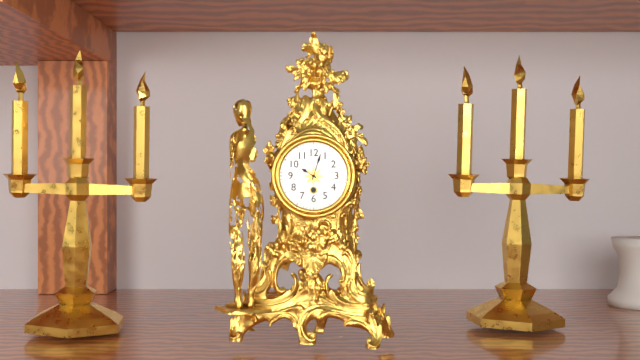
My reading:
10:03
